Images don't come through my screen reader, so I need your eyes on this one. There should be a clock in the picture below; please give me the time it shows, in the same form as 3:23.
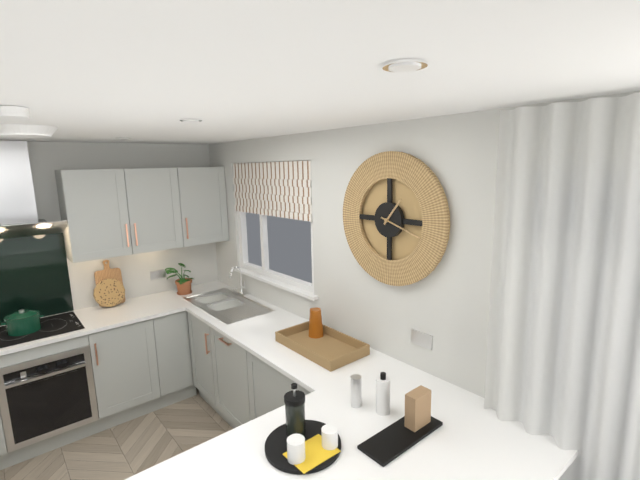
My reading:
1:18
